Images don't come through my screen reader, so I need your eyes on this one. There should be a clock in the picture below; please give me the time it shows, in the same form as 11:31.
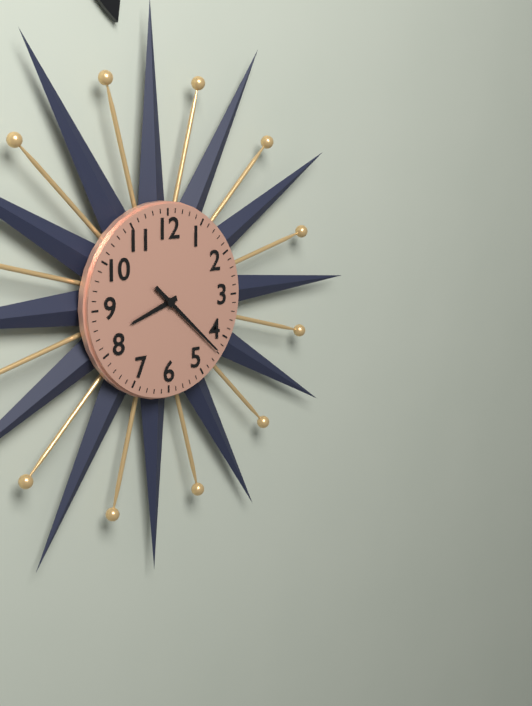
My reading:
8:22
